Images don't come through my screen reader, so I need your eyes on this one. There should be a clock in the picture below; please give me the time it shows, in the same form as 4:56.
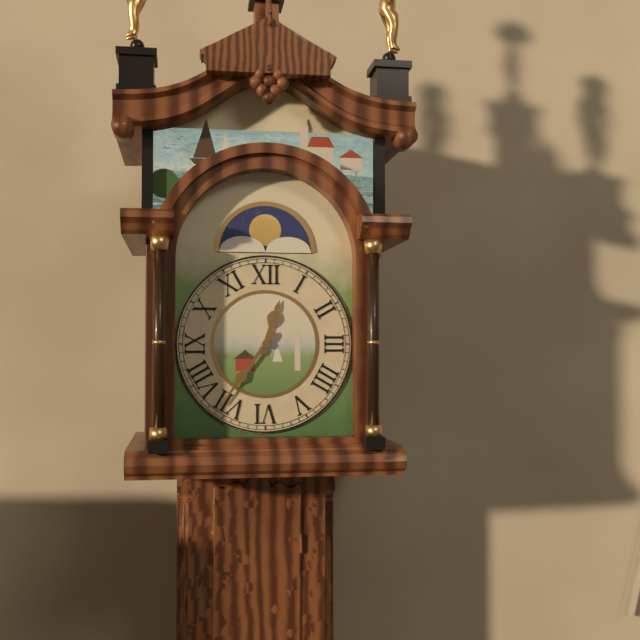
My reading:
12:36
